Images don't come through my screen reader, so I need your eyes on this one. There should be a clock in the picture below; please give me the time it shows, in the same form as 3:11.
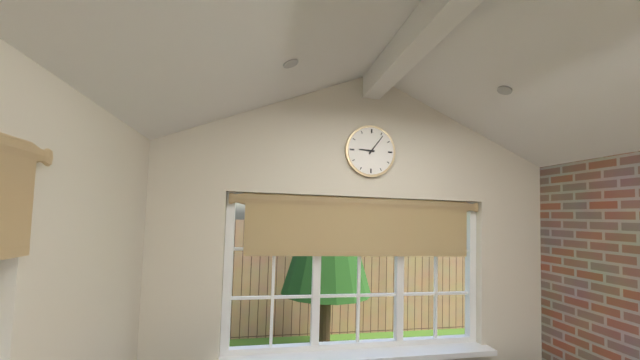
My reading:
9:06
